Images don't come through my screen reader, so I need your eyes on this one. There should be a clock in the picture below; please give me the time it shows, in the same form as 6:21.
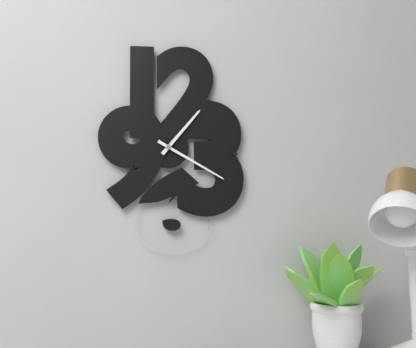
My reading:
1:20
